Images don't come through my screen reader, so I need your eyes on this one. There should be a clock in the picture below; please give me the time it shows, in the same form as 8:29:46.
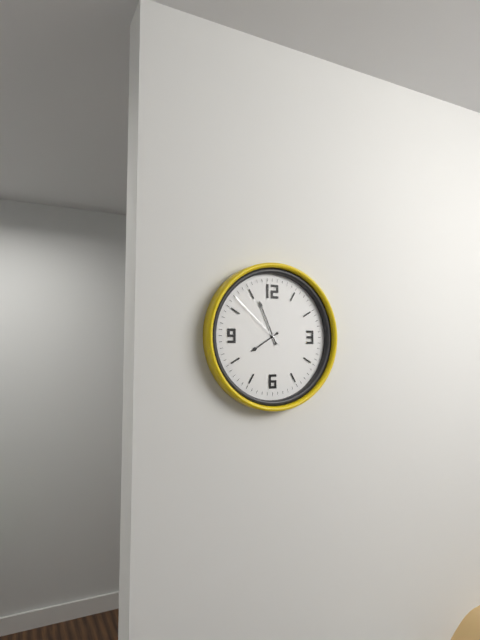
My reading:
7:56:52
